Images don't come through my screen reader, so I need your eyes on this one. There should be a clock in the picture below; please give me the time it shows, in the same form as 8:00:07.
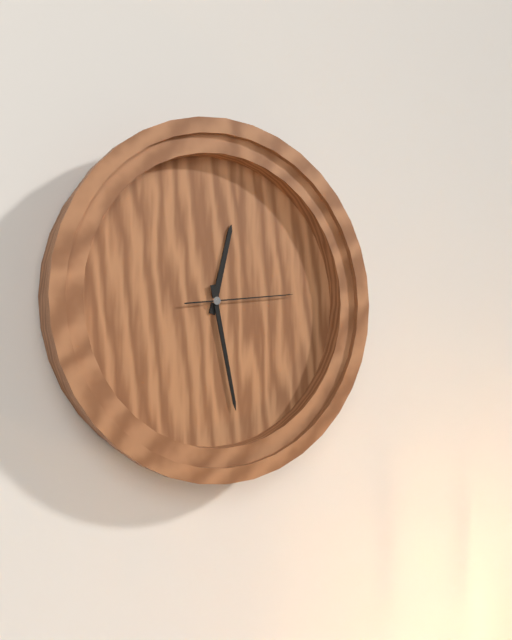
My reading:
12:28:14
